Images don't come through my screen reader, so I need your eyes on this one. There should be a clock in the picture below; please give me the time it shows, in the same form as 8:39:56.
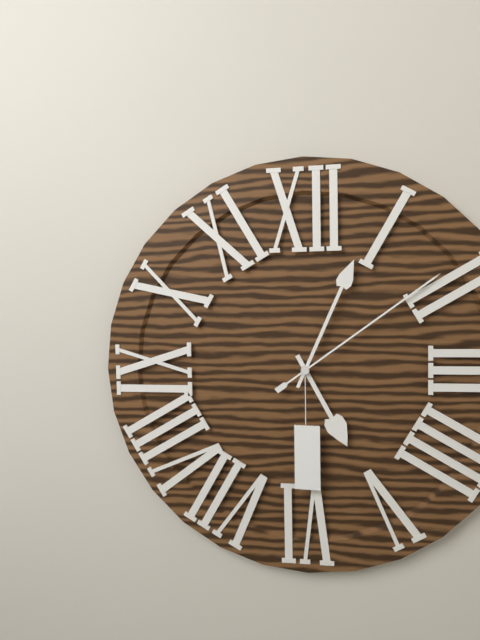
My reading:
5:04:09
